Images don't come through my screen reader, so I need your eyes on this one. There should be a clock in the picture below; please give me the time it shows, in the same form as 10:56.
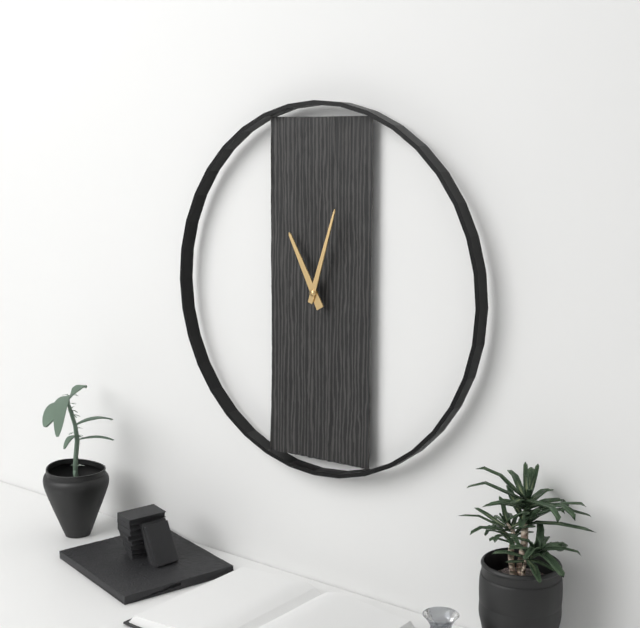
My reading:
11:03
